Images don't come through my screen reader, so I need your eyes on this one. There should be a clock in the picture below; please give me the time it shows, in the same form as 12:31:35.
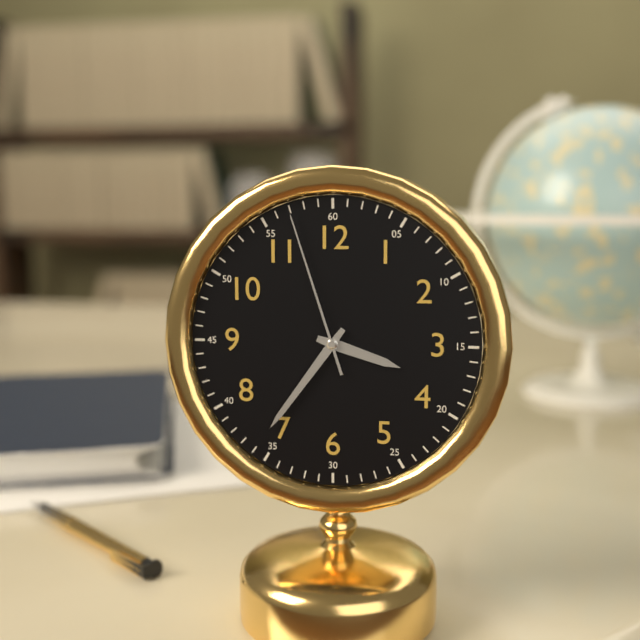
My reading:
3:36:57
